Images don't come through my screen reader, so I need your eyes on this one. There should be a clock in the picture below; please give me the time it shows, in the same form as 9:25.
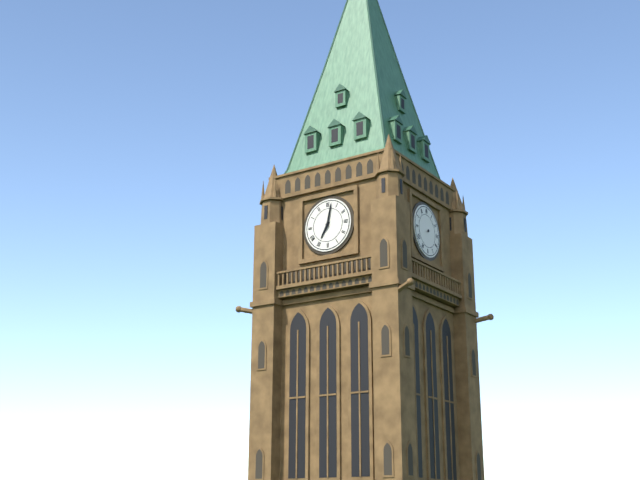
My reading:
7:02
